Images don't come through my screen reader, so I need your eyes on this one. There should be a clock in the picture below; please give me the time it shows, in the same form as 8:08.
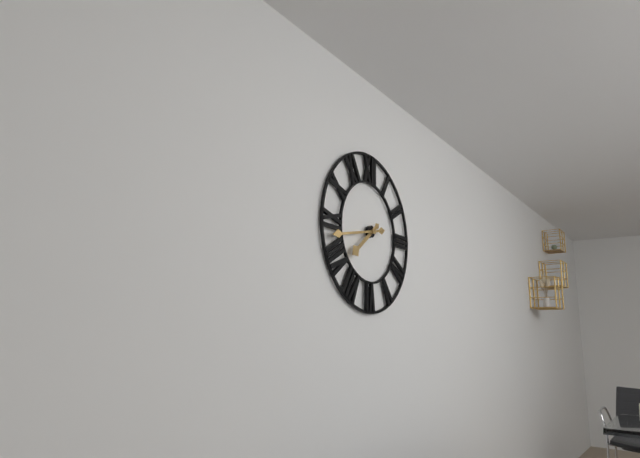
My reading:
7:43
